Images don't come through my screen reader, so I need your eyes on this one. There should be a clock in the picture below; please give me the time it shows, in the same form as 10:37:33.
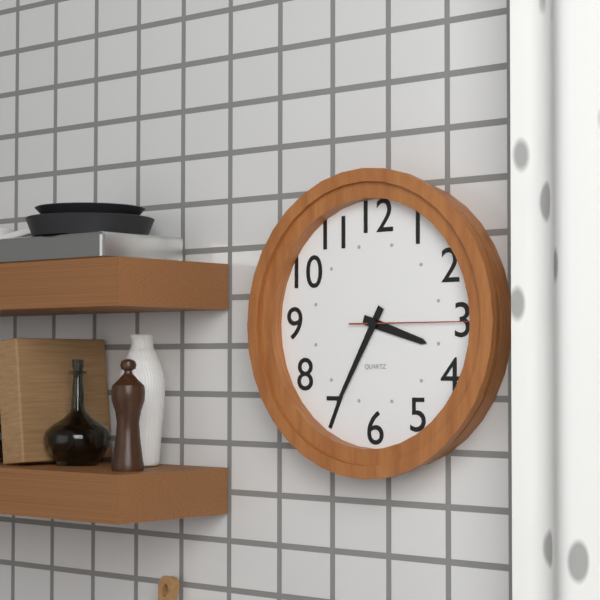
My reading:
3:35:15
